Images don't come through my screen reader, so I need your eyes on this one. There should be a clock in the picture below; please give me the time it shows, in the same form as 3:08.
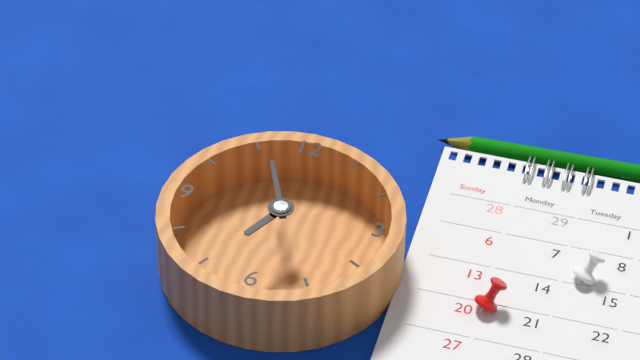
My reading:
6:56
